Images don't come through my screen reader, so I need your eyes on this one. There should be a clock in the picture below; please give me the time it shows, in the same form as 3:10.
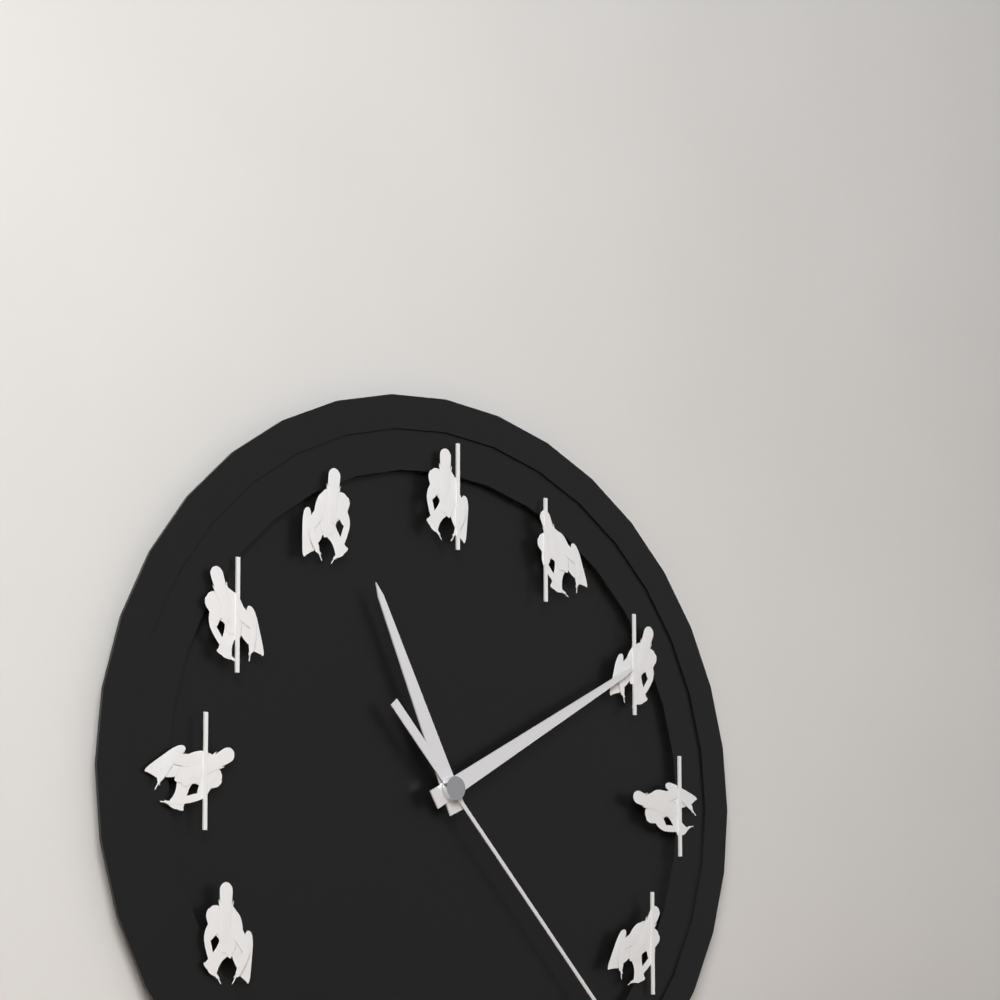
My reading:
11:10
